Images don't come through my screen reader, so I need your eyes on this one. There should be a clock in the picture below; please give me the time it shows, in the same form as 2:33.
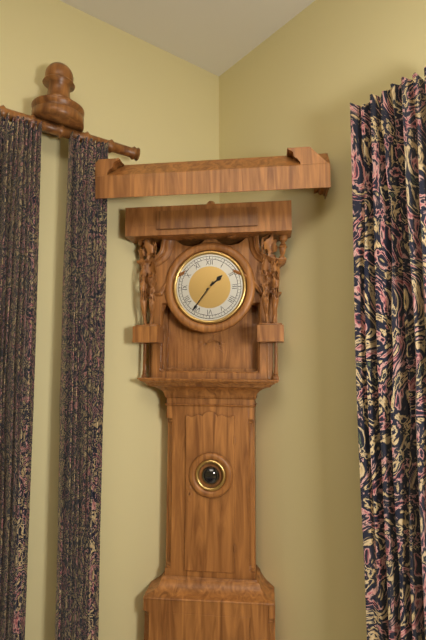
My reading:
1:36
